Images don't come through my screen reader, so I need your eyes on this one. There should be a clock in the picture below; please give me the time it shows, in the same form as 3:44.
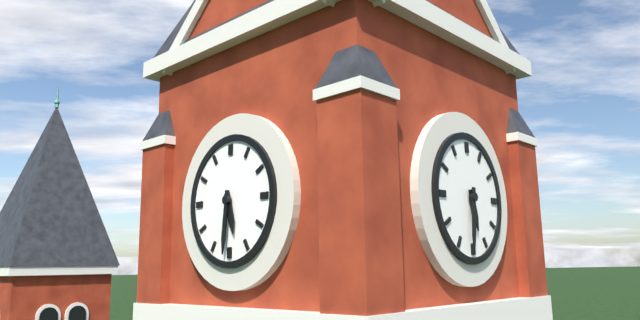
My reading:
5:31
